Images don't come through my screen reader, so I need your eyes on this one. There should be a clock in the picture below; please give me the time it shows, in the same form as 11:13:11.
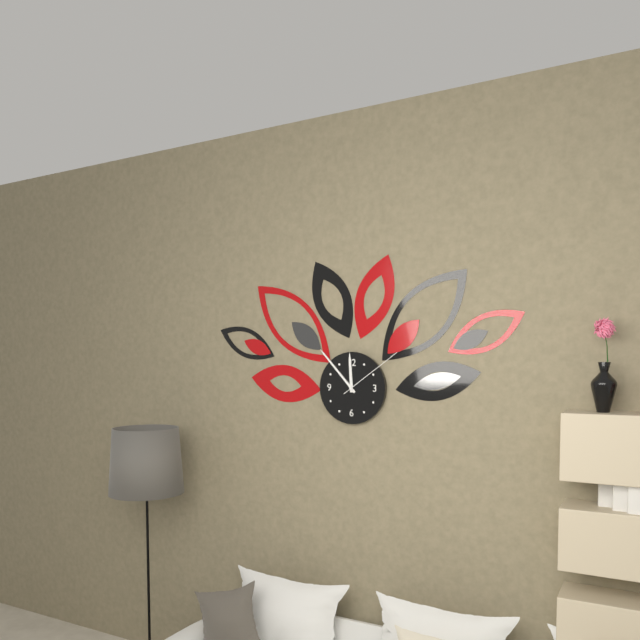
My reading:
11:53:09
